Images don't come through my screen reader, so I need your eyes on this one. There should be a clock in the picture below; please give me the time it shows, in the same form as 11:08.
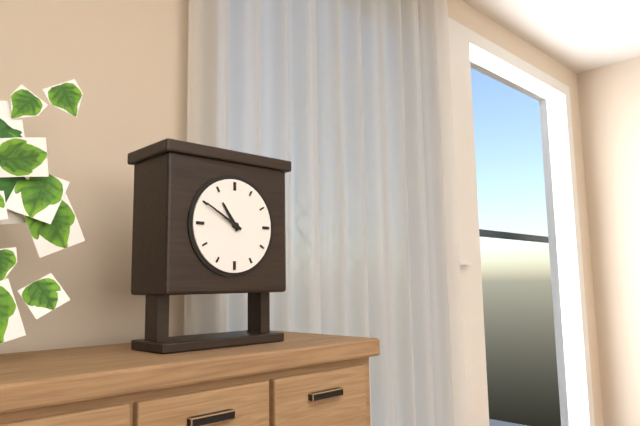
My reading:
10:50
